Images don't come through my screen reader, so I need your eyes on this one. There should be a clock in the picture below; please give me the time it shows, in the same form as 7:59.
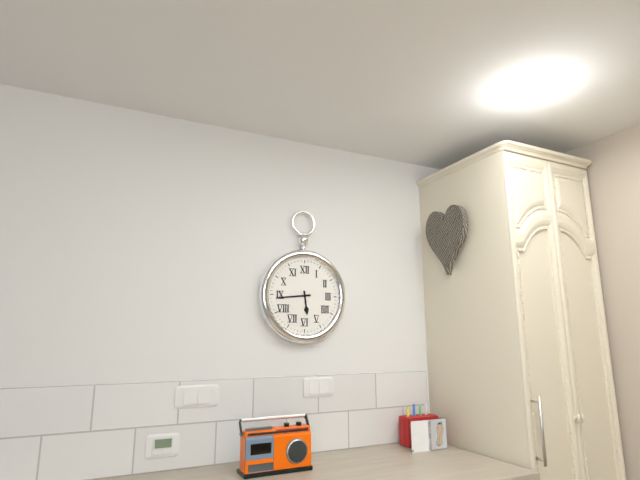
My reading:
5:44
